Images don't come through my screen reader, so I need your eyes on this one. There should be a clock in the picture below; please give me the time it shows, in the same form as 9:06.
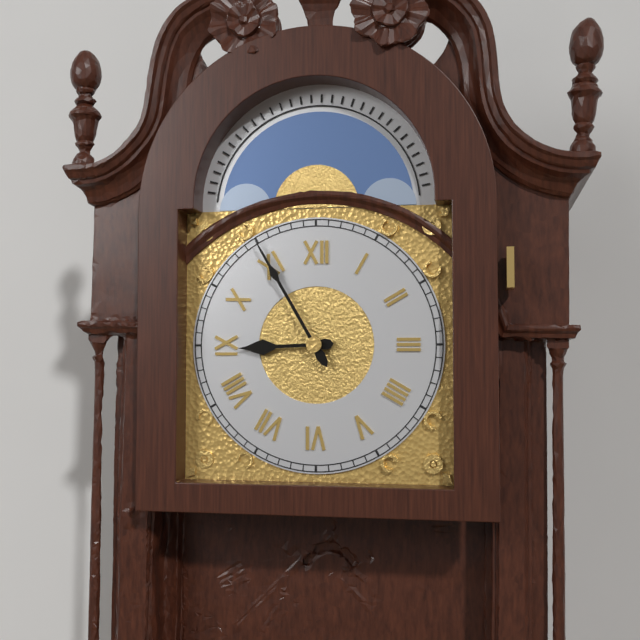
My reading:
8:55
